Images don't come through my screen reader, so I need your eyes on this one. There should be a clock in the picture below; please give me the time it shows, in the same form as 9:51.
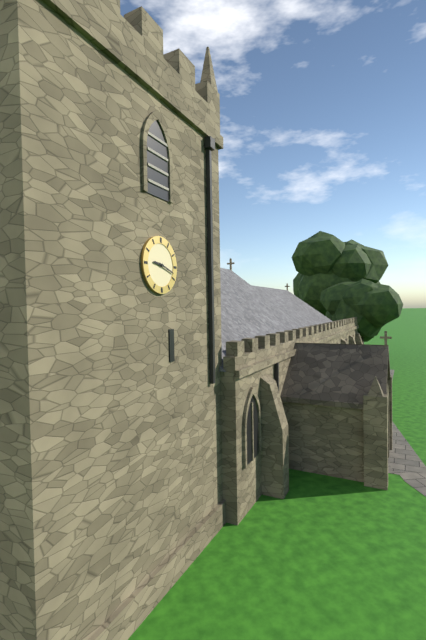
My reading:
9:18
